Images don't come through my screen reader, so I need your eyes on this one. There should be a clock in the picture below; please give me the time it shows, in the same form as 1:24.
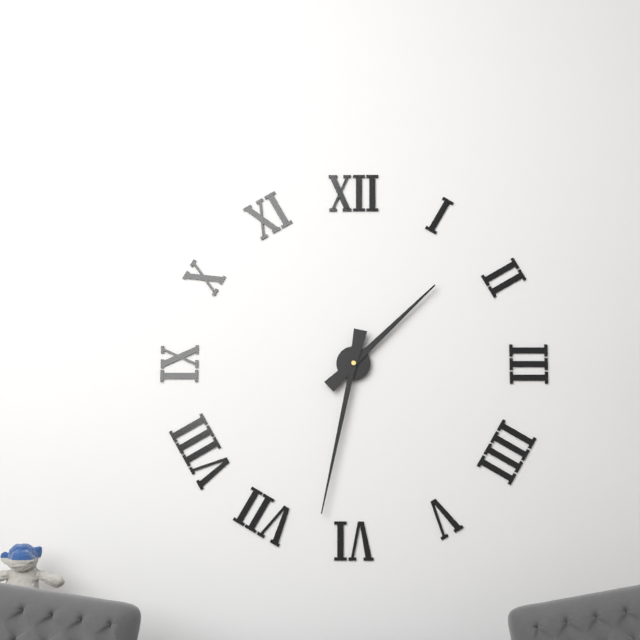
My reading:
1:32
